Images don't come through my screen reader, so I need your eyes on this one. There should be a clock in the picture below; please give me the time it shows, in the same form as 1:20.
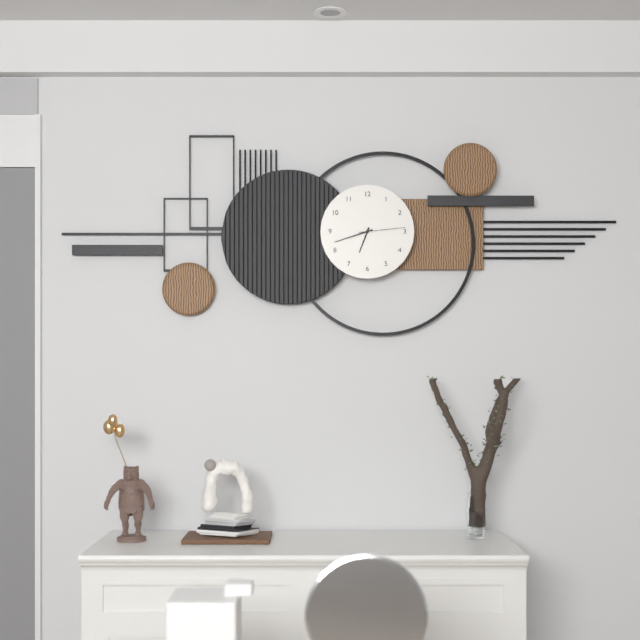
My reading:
6:42
